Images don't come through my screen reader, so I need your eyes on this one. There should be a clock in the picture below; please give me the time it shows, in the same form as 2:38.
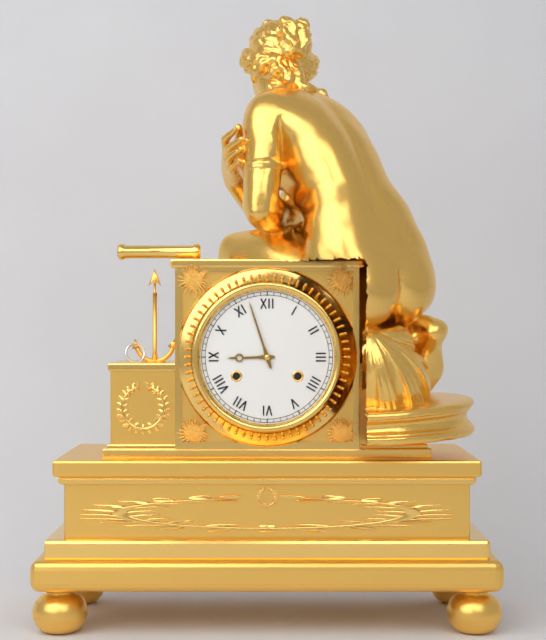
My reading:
8:57
